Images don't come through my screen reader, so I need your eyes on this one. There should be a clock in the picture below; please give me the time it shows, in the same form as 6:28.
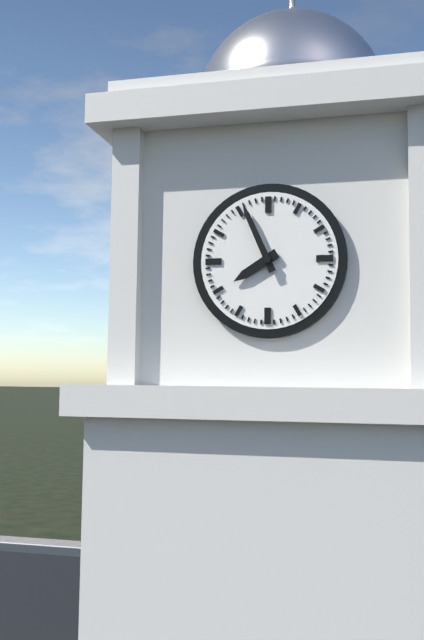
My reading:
7:56
